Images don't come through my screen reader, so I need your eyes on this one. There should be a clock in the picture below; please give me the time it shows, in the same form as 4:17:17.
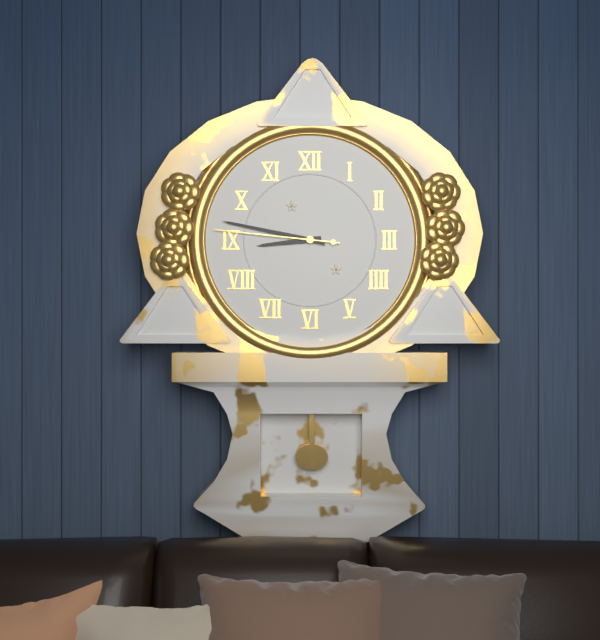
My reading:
8:47:46
